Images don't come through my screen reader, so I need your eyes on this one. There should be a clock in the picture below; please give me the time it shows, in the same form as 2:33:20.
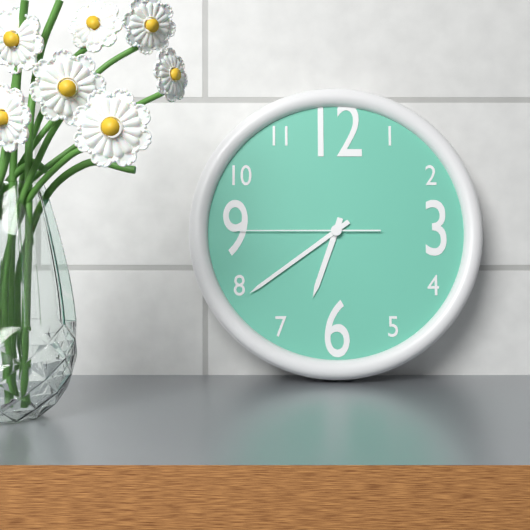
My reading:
6:39:45
